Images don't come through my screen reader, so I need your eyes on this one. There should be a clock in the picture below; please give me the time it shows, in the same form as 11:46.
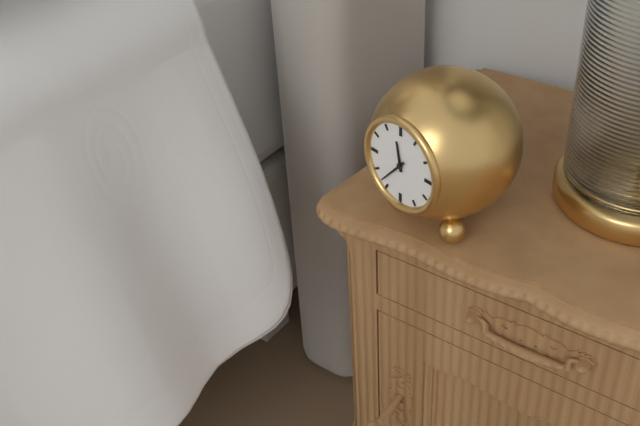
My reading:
11:37
